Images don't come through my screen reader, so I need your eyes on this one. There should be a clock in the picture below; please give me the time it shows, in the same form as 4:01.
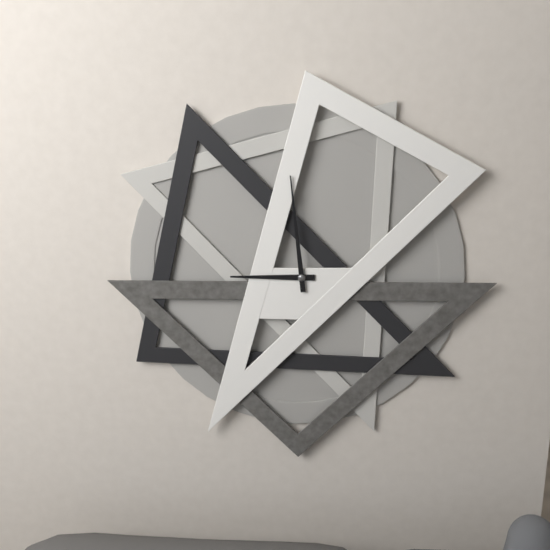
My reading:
8:59
